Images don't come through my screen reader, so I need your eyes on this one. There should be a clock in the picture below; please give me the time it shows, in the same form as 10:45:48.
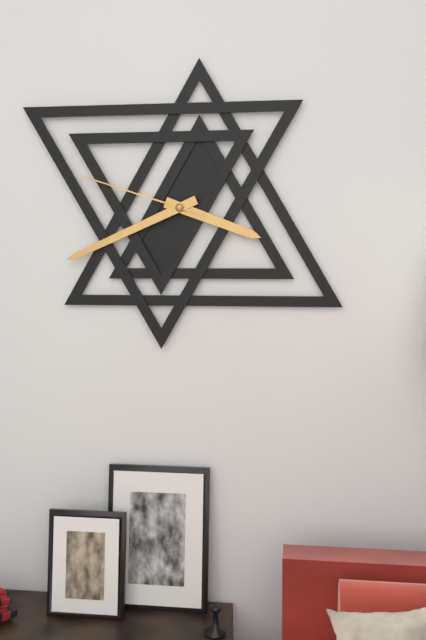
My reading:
3:41:48
